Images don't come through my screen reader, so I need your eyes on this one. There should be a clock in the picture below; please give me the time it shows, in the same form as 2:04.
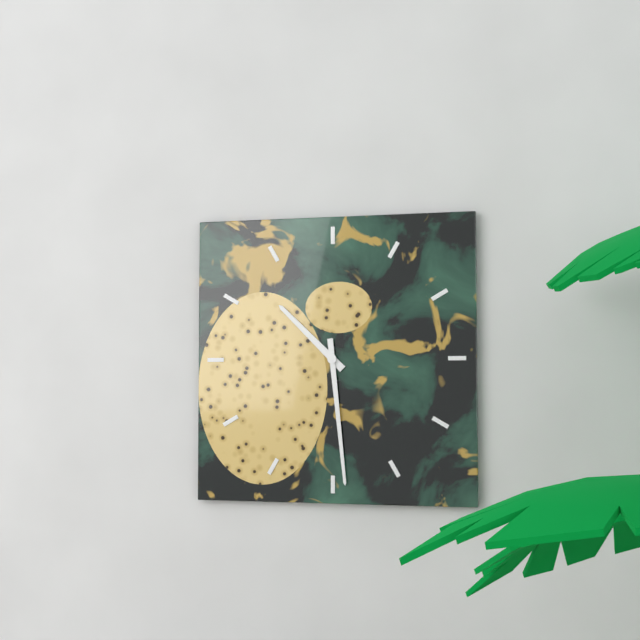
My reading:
10:29
